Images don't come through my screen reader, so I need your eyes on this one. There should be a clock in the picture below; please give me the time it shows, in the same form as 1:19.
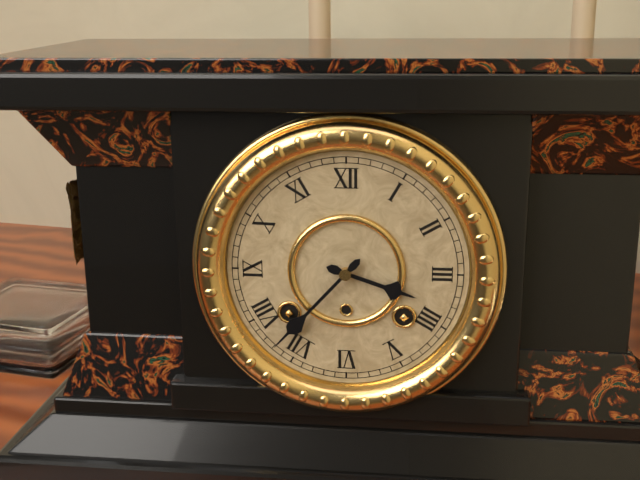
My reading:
3:37
